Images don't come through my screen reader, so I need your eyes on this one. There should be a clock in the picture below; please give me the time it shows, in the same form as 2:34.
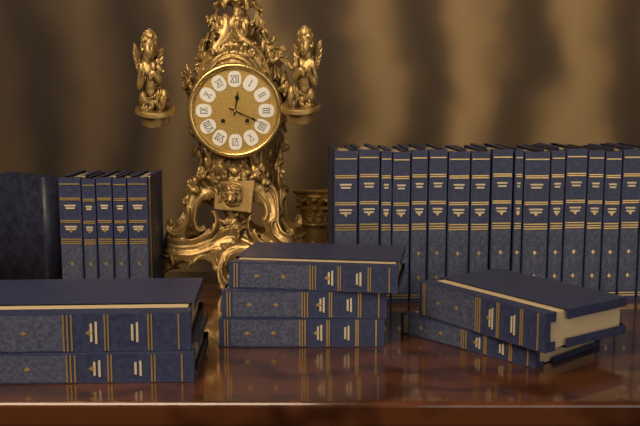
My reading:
12:19
